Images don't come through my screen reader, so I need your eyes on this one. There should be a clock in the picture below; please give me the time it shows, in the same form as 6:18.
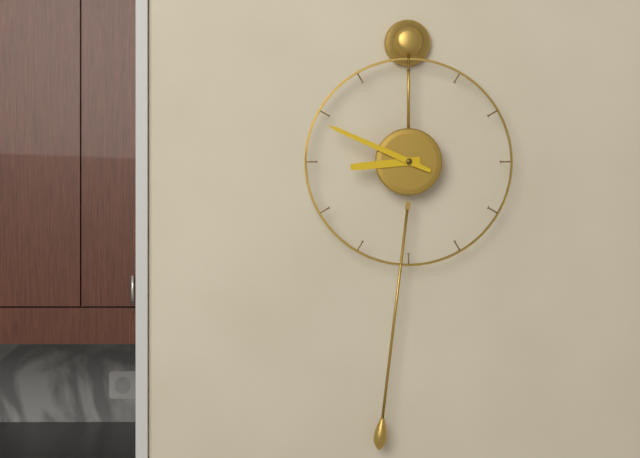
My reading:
8:49
